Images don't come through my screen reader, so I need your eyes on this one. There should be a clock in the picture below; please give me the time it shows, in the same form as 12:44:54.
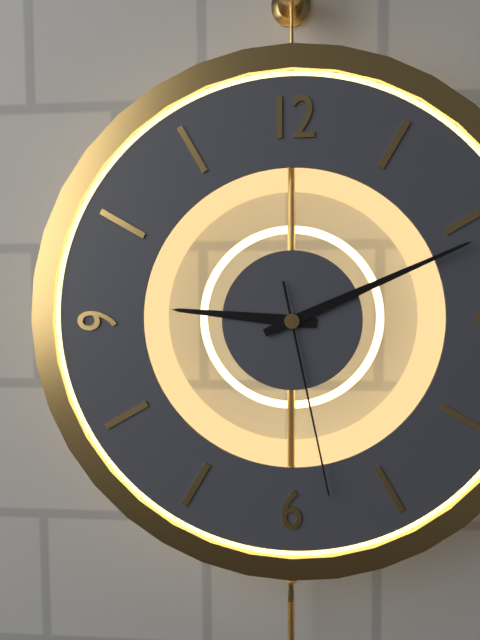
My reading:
9:11:28
